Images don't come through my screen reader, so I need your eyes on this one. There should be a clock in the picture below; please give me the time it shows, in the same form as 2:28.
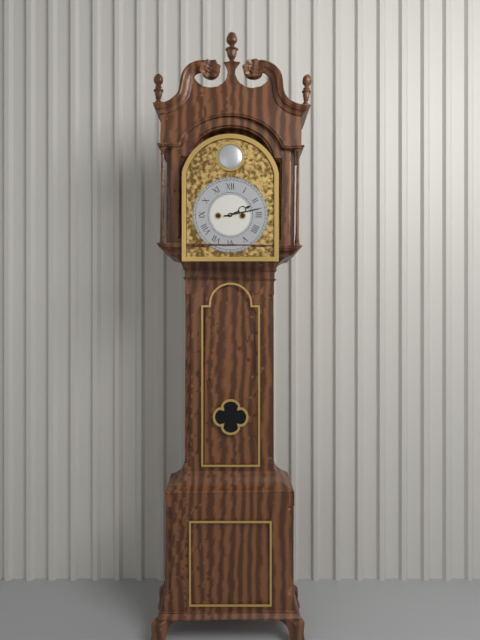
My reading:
2:13
